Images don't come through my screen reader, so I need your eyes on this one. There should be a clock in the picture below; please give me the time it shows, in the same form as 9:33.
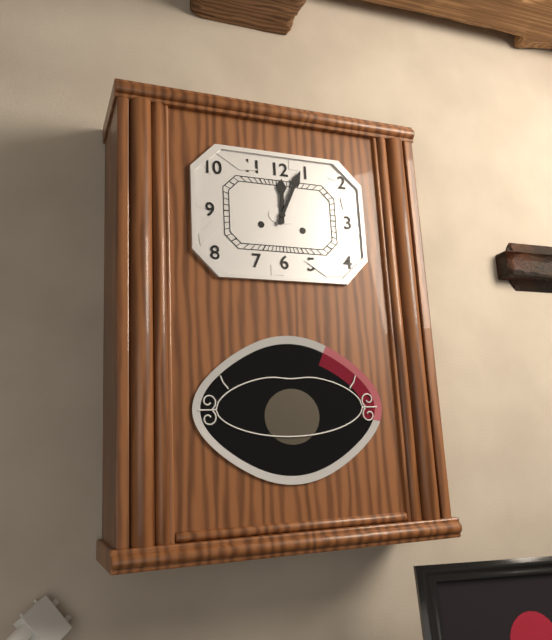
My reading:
12:04
